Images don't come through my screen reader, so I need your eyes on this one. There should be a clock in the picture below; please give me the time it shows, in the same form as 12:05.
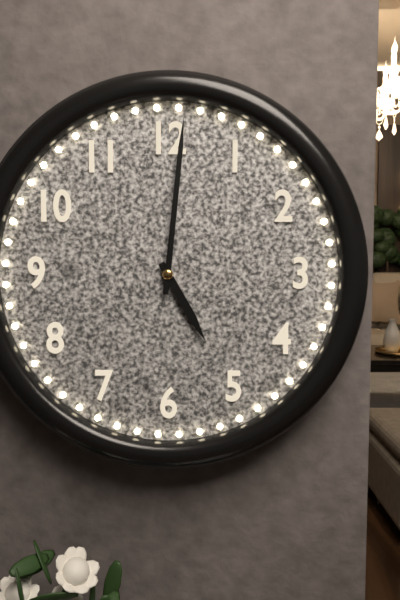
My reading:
5:01
